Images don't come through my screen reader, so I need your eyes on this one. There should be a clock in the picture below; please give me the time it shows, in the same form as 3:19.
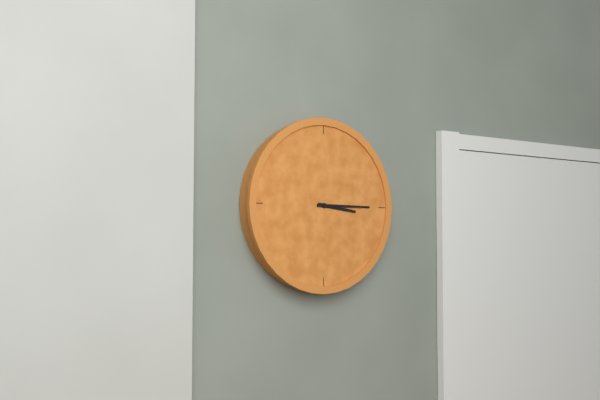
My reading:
3:15
